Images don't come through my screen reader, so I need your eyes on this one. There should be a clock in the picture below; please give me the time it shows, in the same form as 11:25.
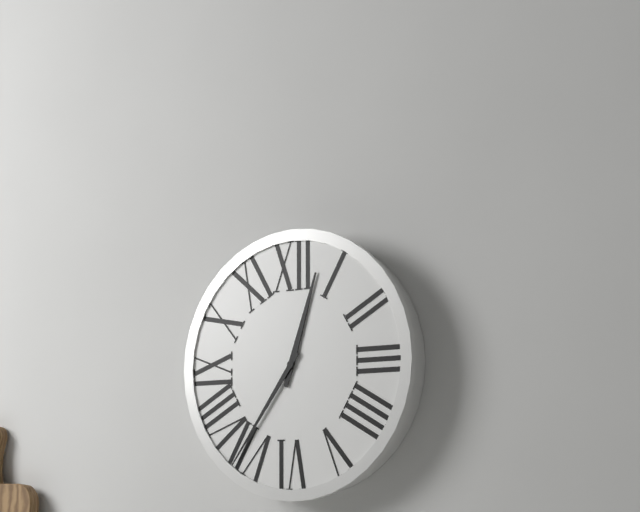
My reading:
12:36
